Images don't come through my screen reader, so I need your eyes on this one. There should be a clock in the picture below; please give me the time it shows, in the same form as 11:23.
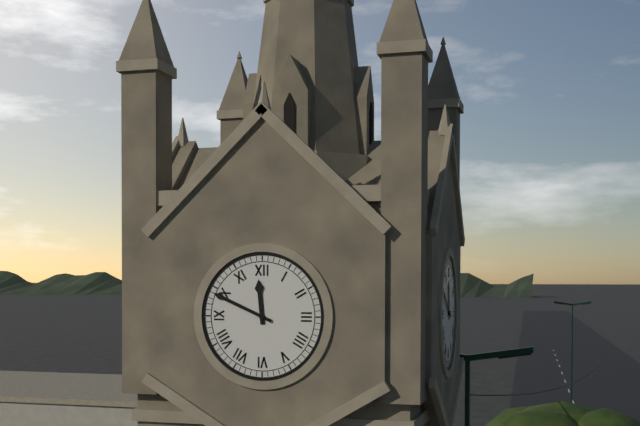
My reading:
11:49
